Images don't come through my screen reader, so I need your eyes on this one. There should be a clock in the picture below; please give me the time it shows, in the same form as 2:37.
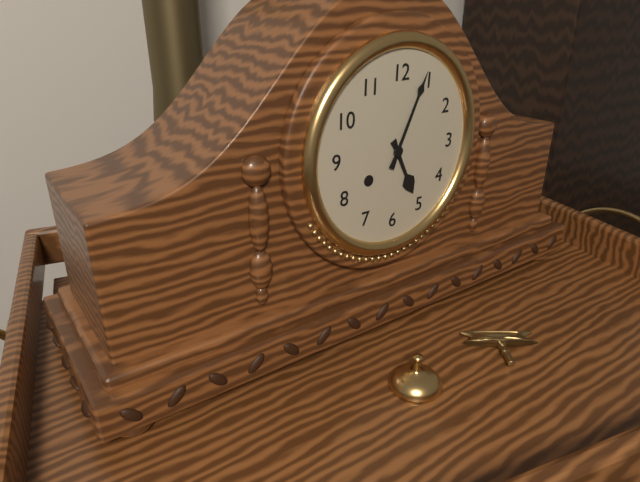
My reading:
5:04
